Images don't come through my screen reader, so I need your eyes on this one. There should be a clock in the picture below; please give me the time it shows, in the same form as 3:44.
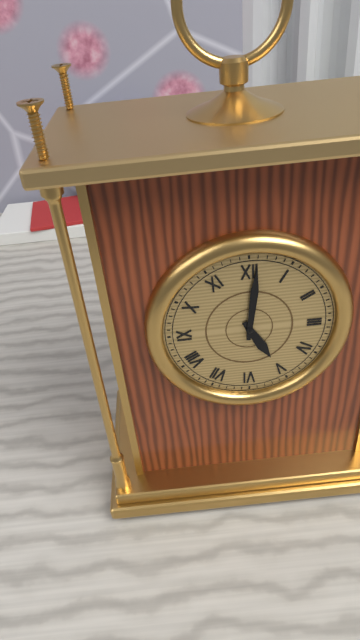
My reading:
5:01
